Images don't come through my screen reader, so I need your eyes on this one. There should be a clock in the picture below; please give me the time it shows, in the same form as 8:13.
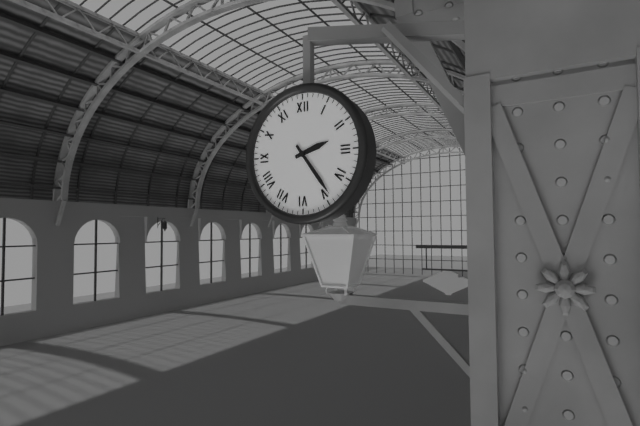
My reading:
2:24
